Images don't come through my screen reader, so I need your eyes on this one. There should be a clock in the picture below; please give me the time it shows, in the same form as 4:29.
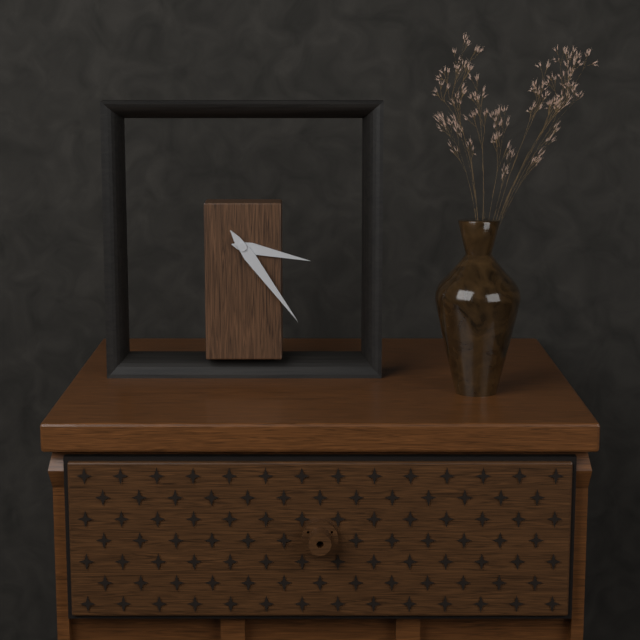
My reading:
3:24
